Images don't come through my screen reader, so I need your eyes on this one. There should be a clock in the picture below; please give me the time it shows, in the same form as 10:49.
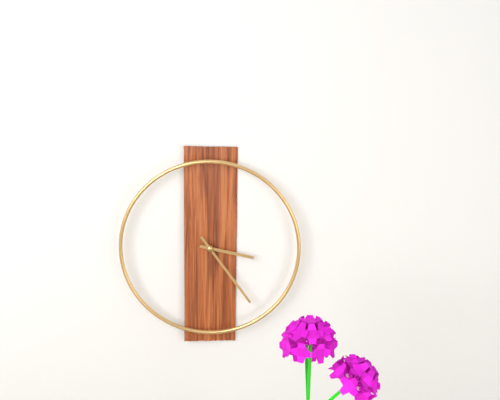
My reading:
3:24
